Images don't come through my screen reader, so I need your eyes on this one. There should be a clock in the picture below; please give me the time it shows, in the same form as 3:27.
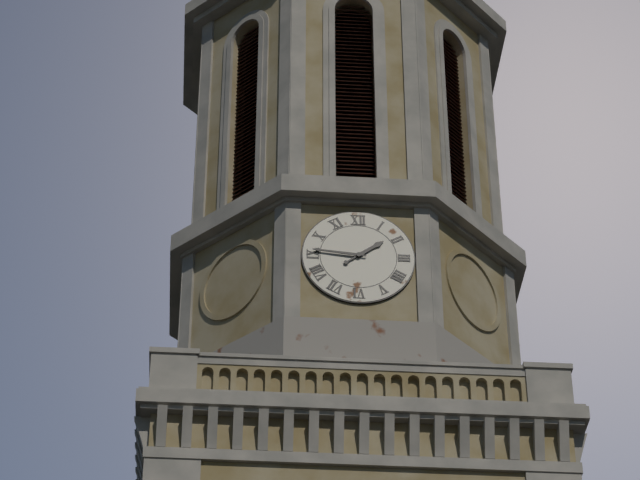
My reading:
1:46
